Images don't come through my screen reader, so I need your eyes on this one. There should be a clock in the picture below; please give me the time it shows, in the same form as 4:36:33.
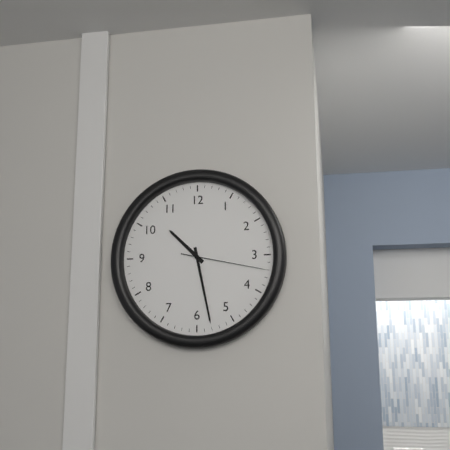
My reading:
10:28:17
